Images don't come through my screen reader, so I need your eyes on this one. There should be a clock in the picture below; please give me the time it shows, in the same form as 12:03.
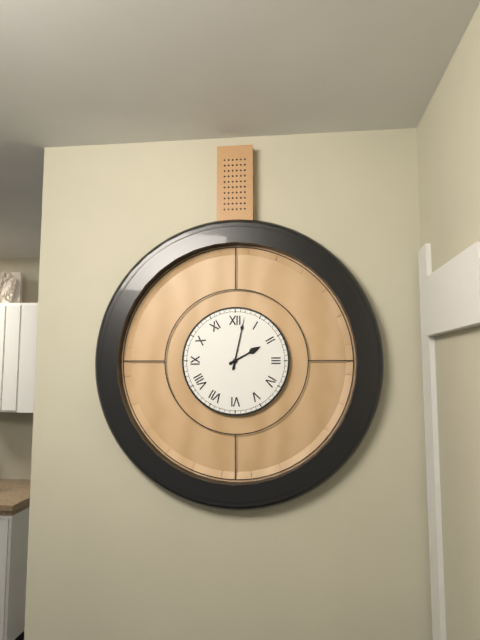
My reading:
2:02
